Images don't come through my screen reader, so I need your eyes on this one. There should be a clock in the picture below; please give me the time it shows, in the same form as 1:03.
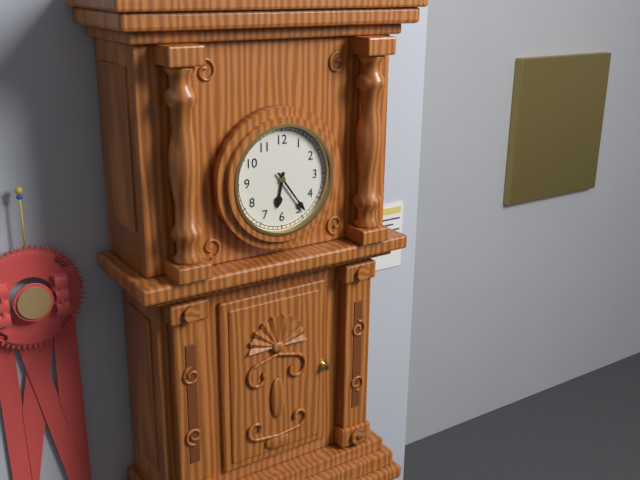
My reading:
6:24
